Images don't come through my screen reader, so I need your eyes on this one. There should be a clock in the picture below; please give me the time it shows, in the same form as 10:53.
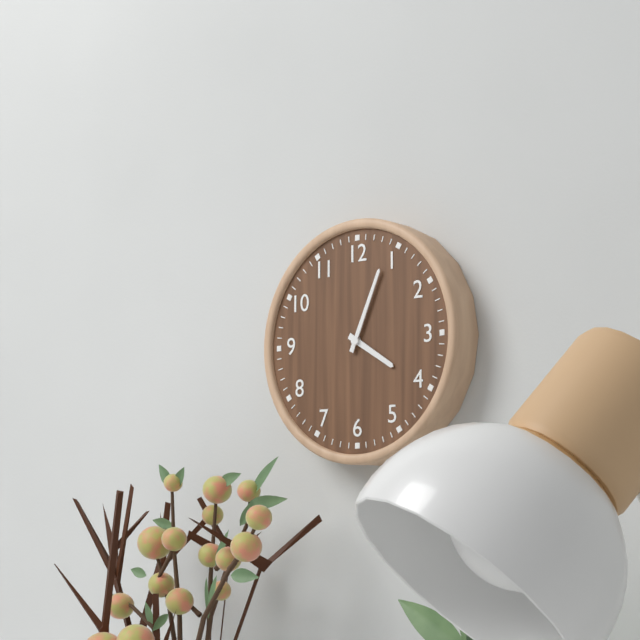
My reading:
4:04
